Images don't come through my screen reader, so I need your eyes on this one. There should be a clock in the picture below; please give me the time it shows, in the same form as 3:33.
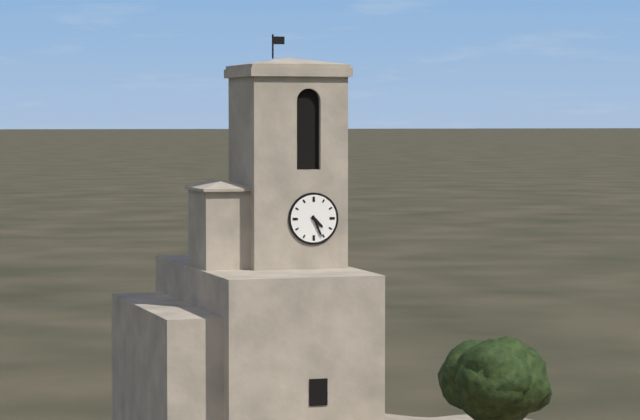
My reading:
4:26
